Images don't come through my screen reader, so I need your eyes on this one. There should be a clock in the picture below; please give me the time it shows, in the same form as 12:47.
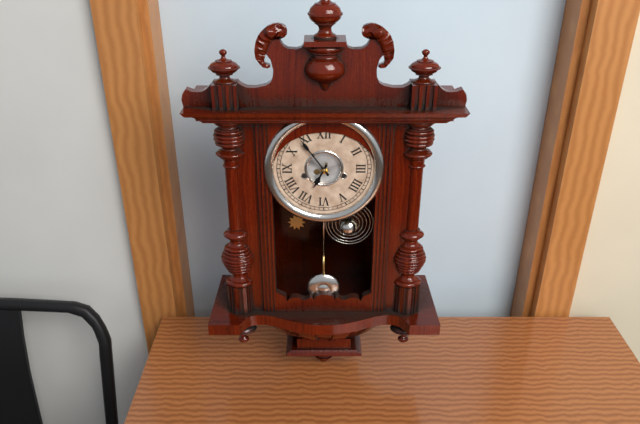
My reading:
6:54
